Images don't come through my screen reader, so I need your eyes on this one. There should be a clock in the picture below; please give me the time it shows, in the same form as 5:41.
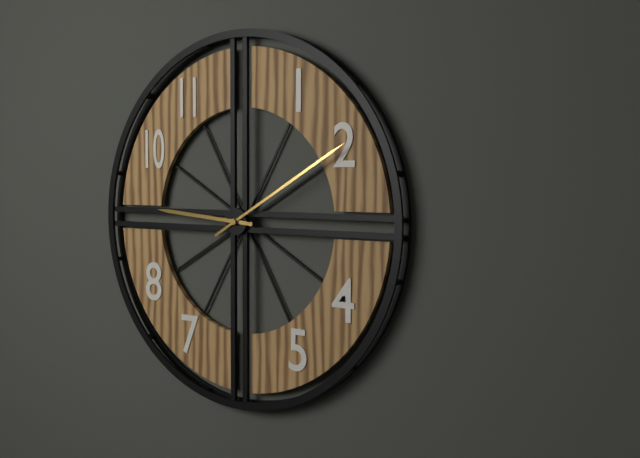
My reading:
9:10
